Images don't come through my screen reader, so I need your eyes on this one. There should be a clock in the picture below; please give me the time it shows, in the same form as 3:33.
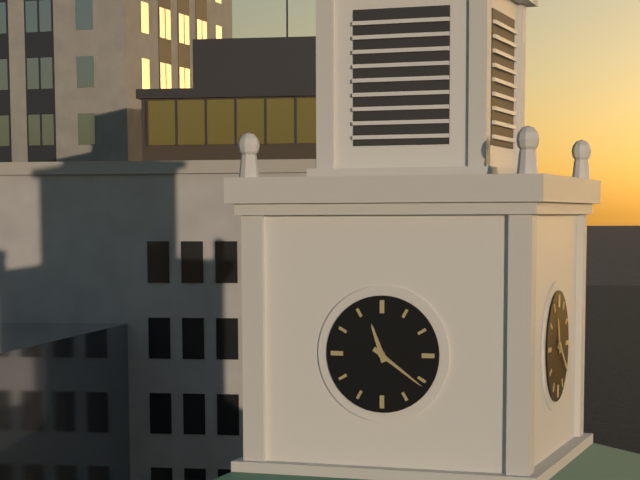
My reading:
11:21
